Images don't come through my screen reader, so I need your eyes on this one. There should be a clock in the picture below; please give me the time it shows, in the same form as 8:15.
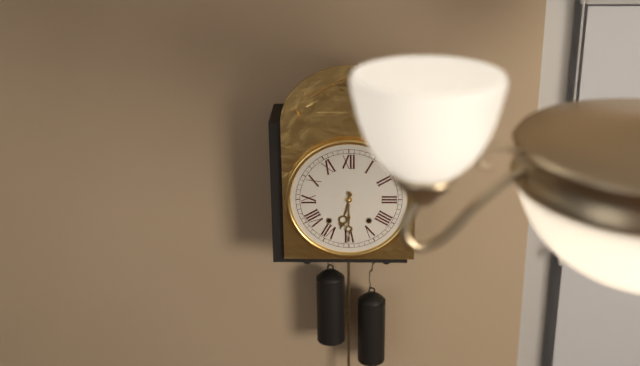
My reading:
6:30
